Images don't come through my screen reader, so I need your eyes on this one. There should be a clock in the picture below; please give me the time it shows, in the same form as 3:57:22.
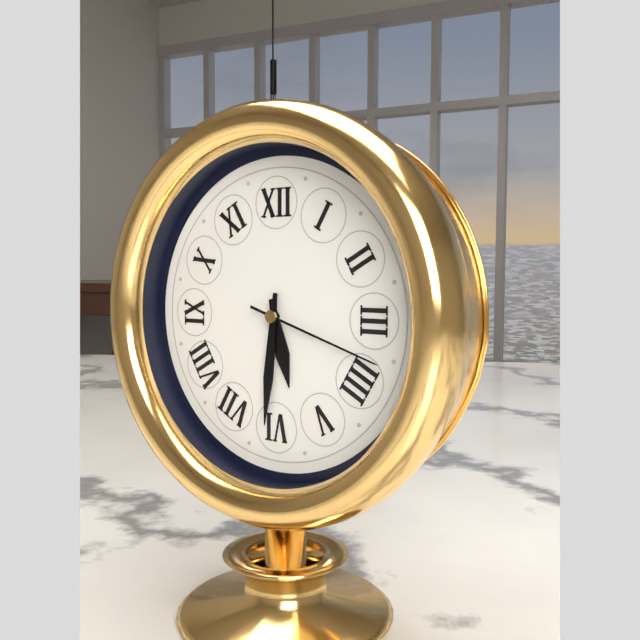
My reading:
5:31:18
